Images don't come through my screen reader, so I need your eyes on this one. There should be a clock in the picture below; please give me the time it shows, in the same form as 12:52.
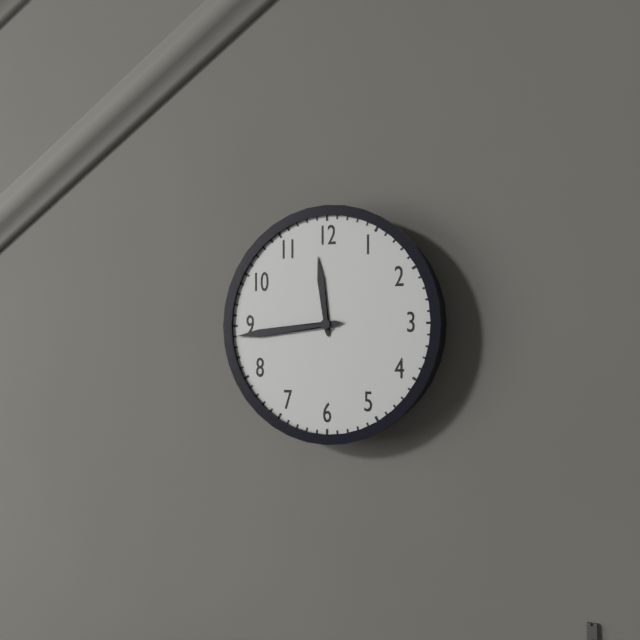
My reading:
11:44
